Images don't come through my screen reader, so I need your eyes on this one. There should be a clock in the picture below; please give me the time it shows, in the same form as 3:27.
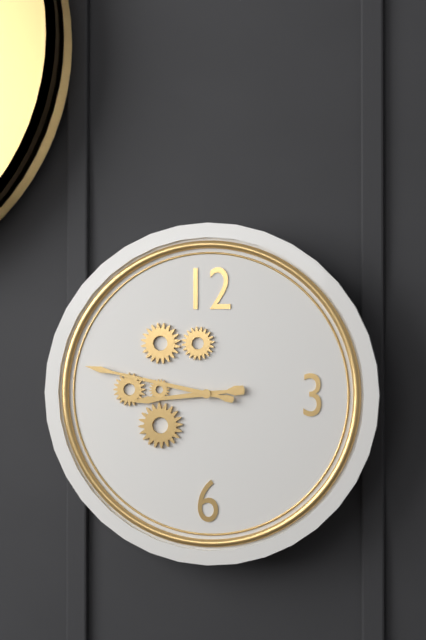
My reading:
8:47
